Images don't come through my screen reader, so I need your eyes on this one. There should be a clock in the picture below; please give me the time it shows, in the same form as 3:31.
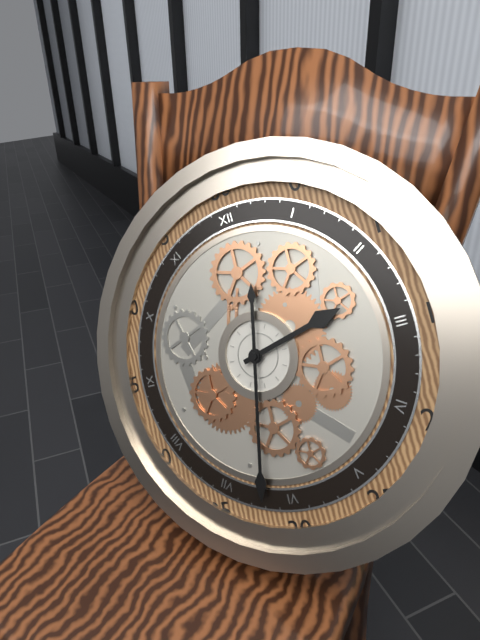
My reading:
2:32
